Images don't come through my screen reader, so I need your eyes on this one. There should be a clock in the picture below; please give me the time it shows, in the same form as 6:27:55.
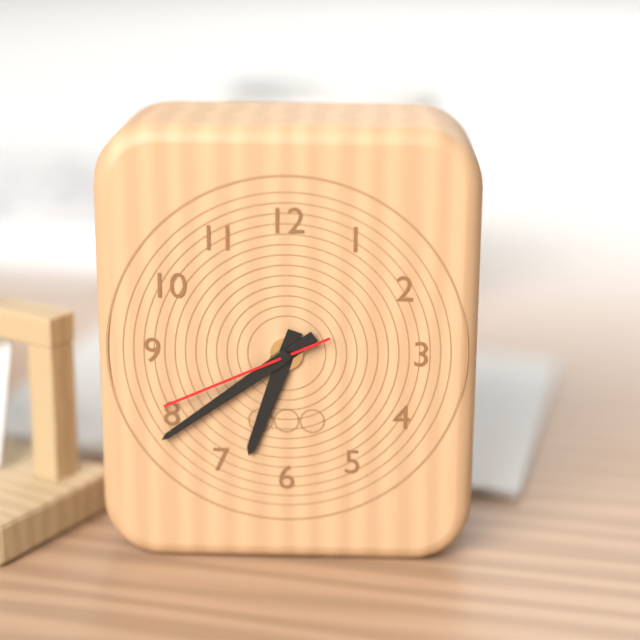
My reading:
6:39:41
